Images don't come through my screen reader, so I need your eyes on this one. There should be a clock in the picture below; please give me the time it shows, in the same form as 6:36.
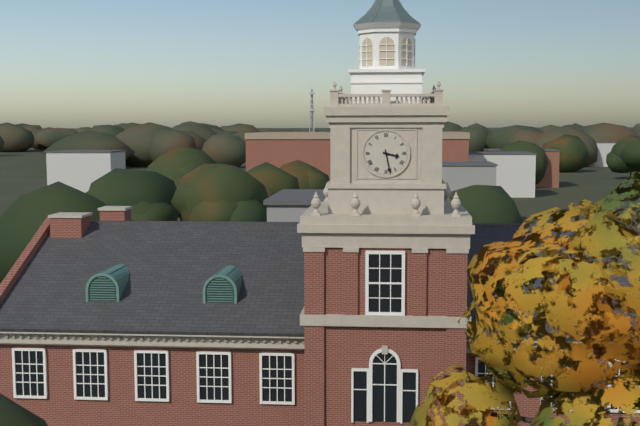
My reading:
3:28
